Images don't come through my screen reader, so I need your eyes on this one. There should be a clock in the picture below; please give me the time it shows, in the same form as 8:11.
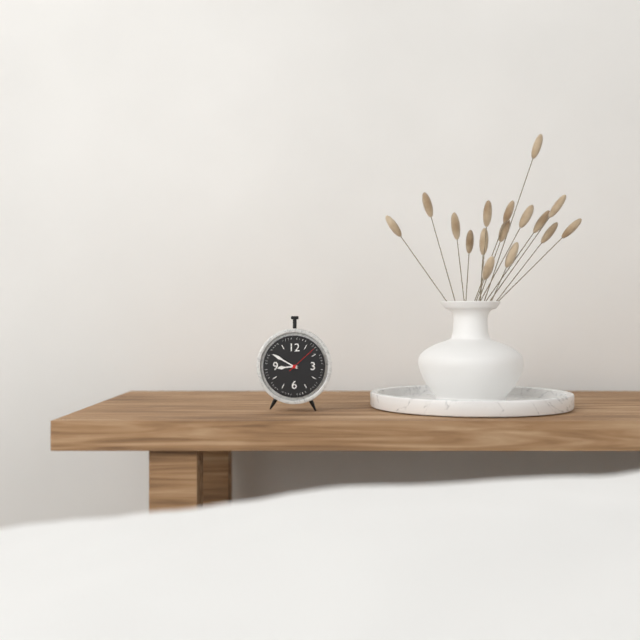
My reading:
8:50
